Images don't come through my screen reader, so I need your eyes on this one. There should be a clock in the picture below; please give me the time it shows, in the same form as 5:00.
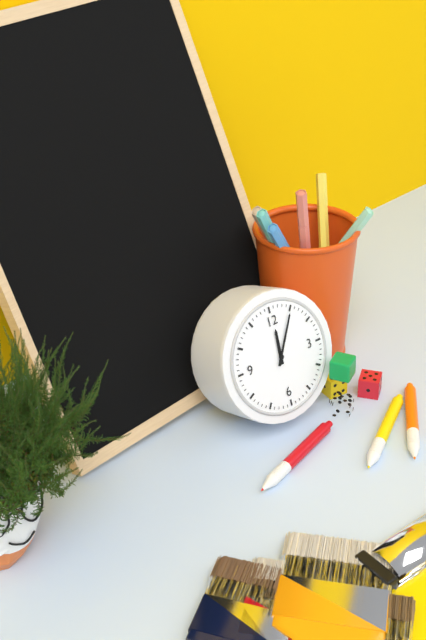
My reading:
12:05
